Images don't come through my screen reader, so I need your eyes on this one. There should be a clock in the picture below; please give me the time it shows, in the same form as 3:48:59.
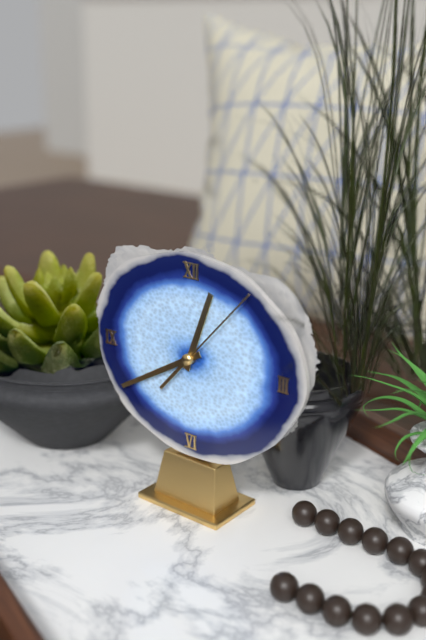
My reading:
12:40:07
